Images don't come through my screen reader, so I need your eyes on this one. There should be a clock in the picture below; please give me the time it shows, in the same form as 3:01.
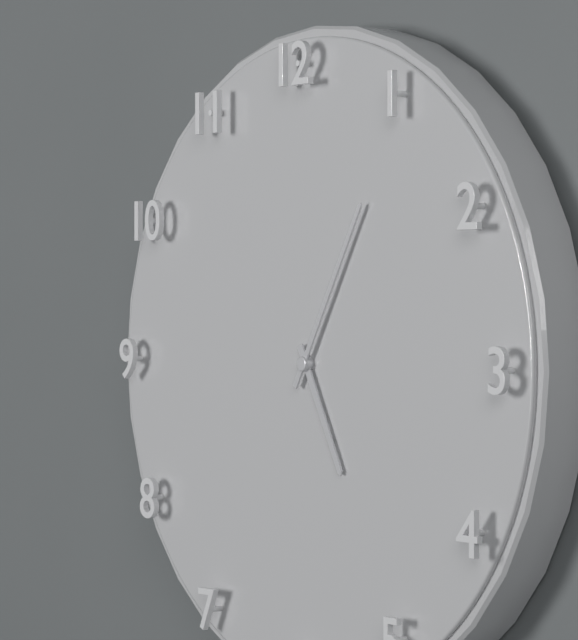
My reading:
5:05
